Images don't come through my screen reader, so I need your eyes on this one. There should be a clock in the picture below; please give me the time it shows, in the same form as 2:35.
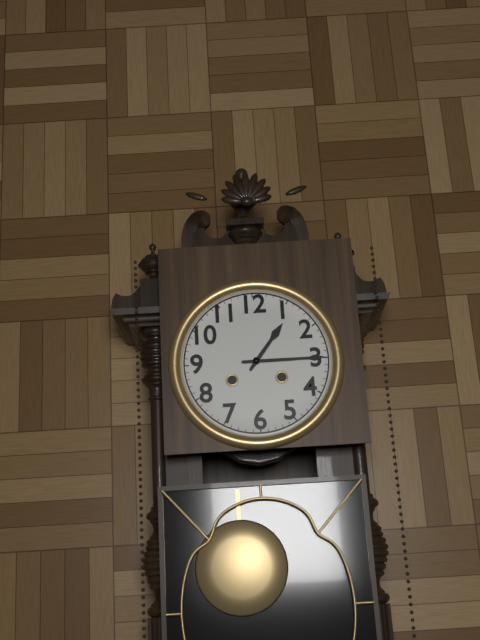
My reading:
1:15
